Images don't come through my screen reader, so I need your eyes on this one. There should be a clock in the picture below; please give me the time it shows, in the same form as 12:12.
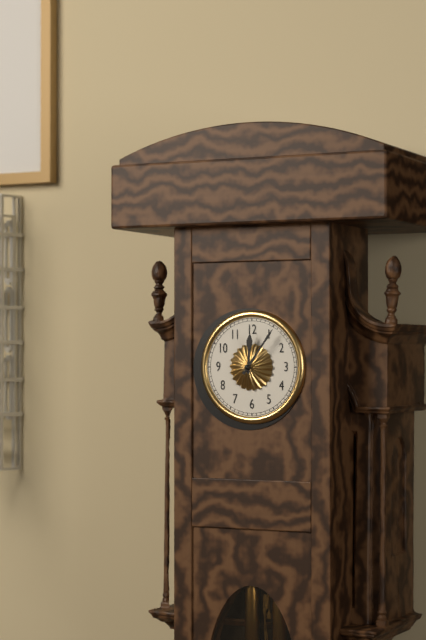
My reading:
12:06
